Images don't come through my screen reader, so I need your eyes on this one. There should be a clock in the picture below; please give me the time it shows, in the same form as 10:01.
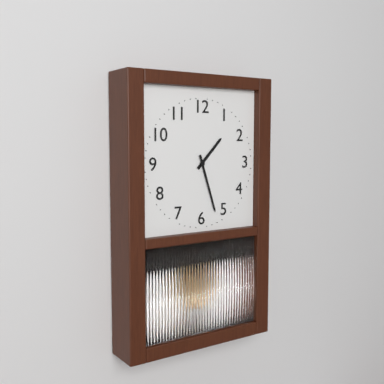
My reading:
1:27
